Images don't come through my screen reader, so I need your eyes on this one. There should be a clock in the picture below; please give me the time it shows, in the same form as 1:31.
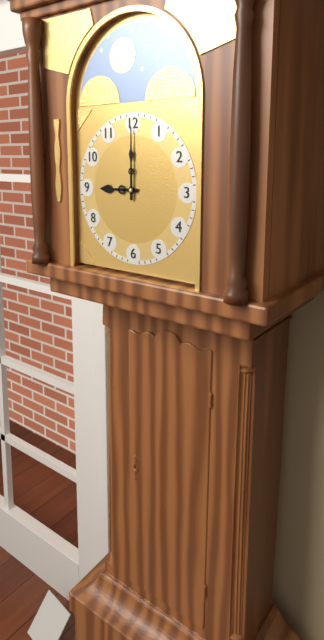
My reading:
9:00
